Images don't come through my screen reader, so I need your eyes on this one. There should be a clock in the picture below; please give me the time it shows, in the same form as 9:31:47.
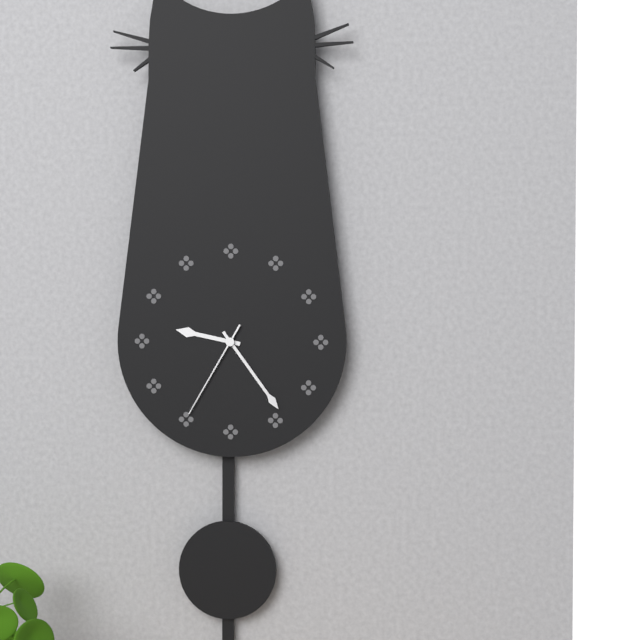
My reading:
9:24:35
